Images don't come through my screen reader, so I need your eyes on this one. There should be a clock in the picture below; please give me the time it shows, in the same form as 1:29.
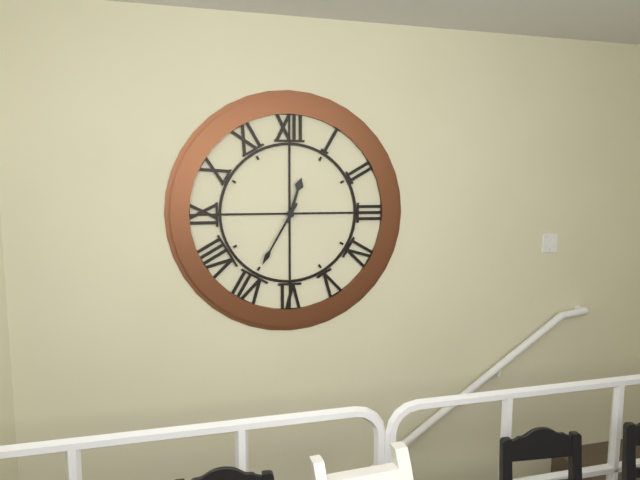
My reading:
12:35
